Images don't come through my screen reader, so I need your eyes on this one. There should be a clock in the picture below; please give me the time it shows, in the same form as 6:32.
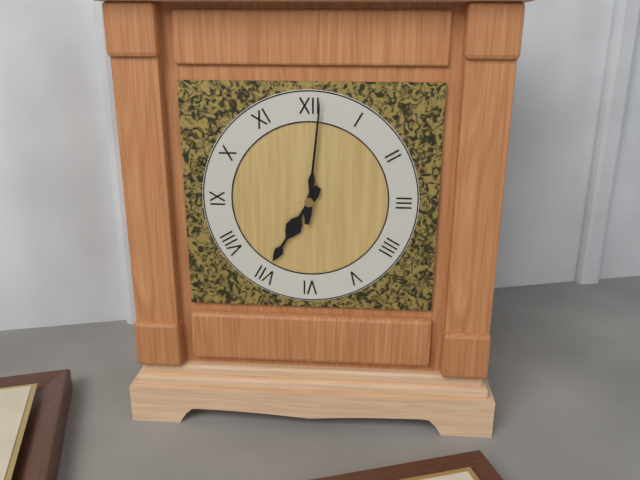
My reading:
7:01
